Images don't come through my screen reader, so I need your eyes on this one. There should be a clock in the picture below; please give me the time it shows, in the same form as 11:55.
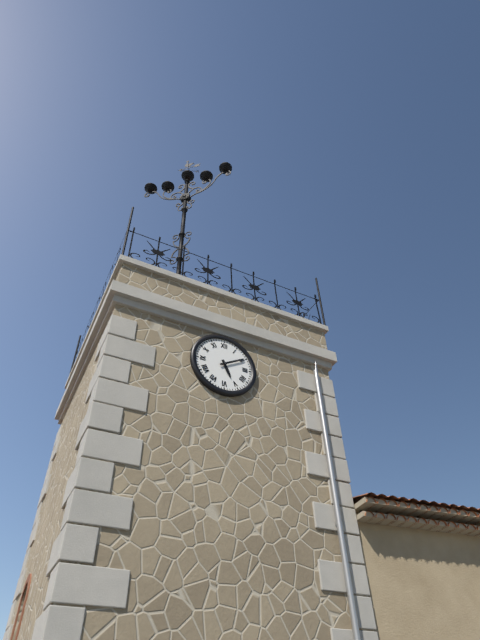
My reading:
5:10
